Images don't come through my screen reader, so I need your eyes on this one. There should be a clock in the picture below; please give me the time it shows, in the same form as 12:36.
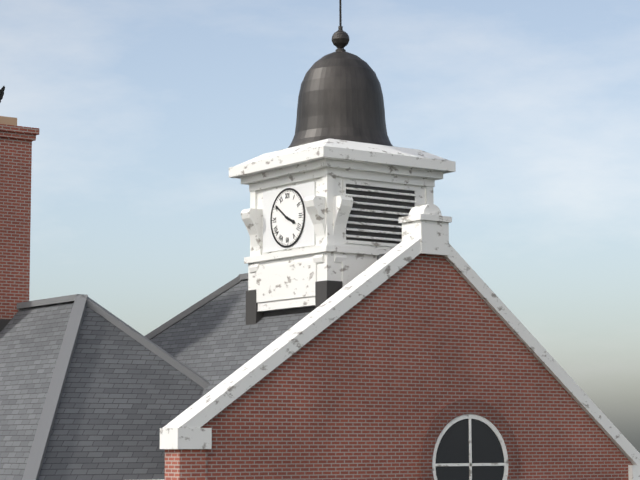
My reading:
3:51
